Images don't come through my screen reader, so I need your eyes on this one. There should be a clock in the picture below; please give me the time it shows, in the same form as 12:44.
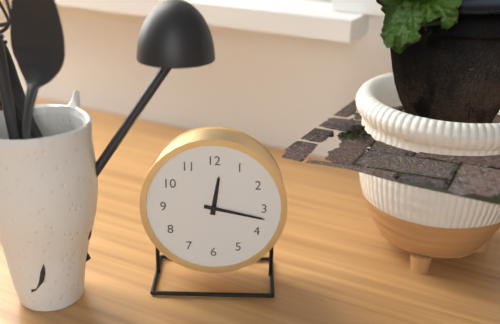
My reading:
12:17
